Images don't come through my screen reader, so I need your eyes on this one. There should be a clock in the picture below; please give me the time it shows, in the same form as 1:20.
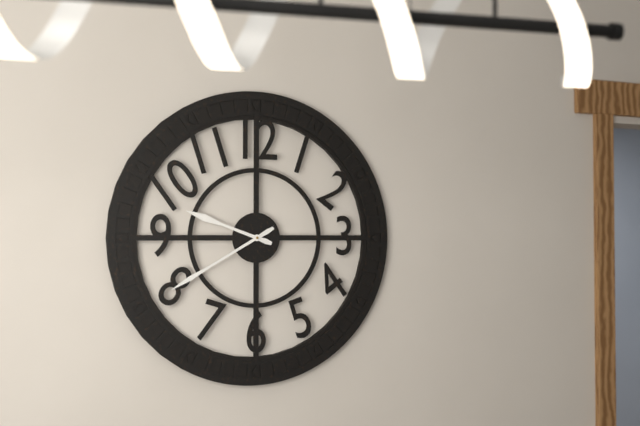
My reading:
9:40
